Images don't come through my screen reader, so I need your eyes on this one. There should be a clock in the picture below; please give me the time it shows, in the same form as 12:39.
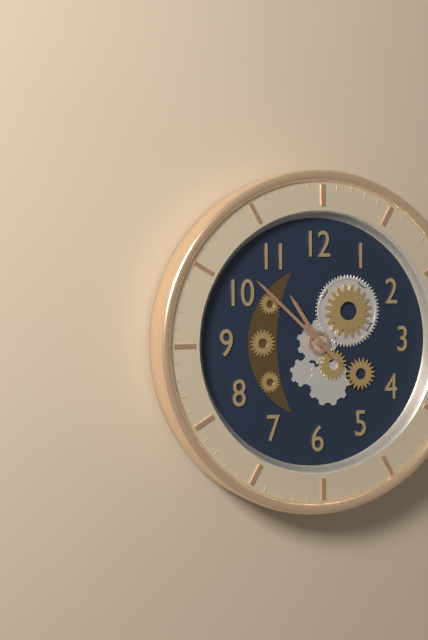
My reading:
10:52
